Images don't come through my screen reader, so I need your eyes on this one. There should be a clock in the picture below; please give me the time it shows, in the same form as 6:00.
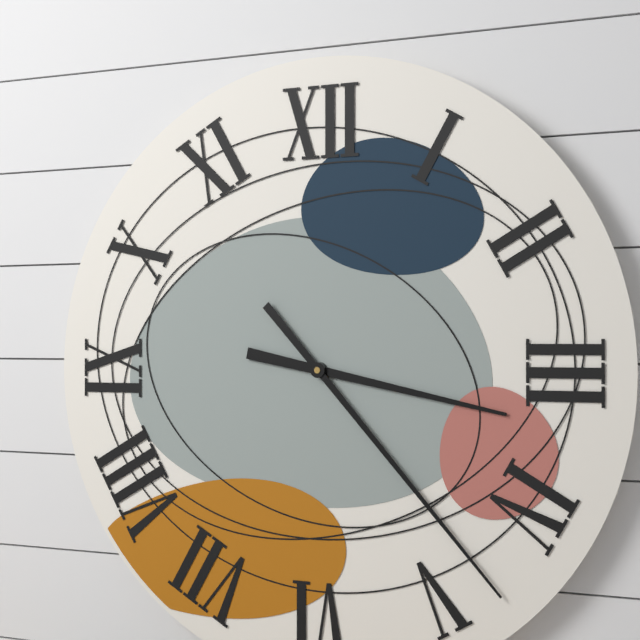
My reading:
3:23
